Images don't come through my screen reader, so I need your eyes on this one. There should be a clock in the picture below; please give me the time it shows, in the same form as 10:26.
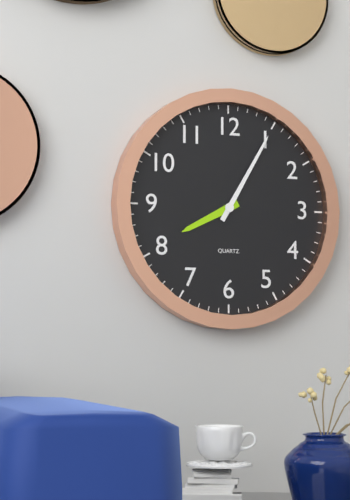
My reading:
8:05
